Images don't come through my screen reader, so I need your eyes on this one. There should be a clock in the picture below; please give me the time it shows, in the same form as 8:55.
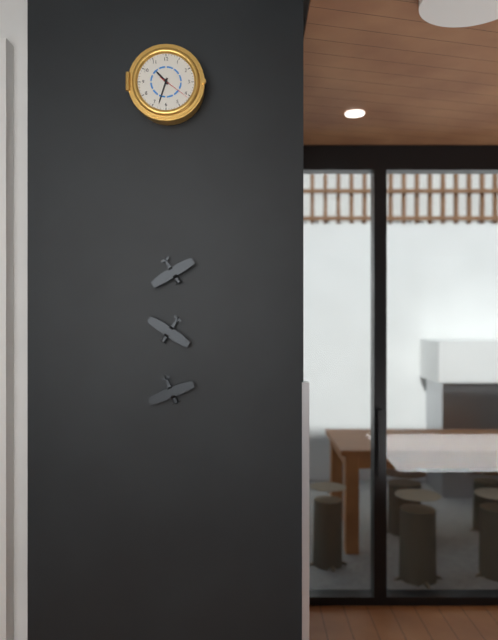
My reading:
10:33
